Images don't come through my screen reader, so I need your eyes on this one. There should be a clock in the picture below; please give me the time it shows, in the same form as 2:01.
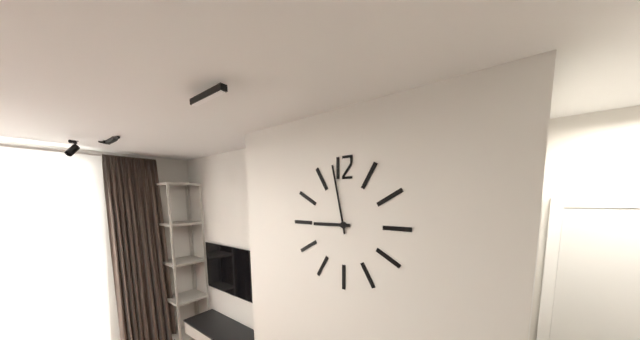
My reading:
8:58
